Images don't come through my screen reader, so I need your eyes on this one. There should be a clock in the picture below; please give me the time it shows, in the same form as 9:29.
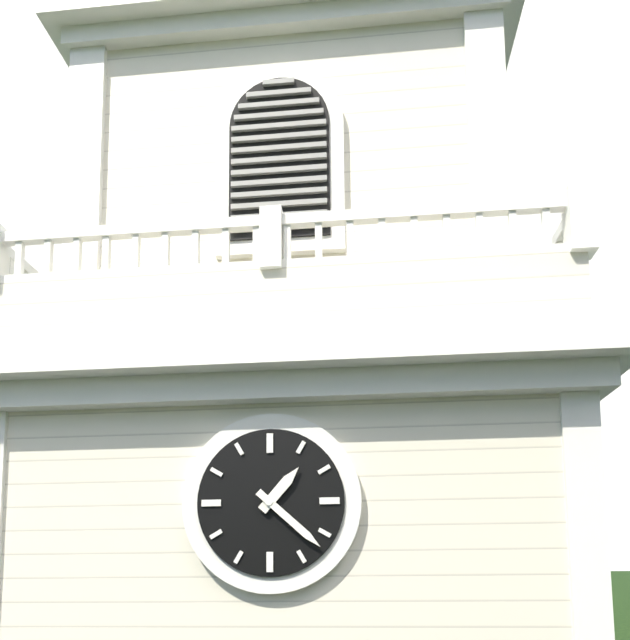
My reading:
1:22
